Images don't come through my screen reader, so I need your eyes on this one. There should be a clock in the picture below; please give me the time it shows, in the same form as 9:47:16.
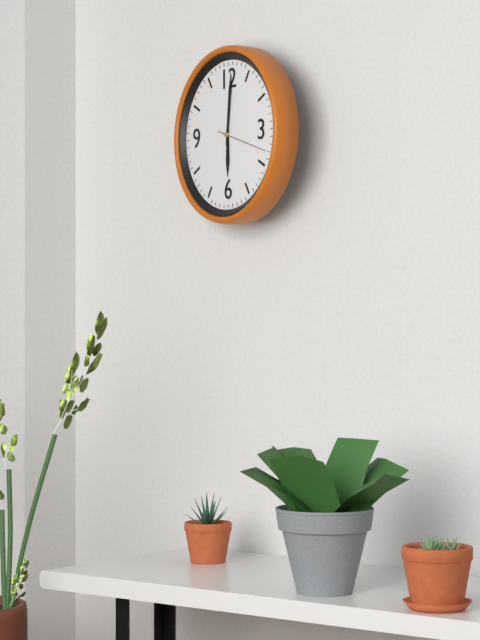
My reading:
6:01:18
